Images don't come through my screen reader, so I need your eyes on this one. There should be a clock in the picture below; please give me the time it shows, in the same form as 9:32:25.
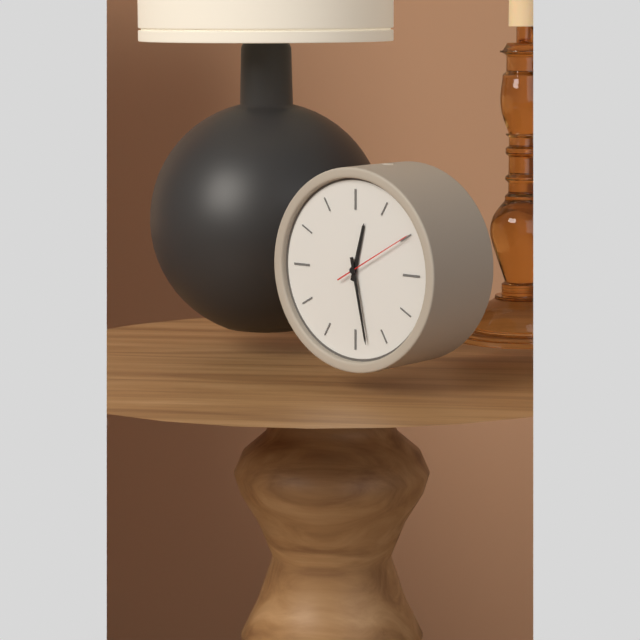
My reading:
12:28:10
